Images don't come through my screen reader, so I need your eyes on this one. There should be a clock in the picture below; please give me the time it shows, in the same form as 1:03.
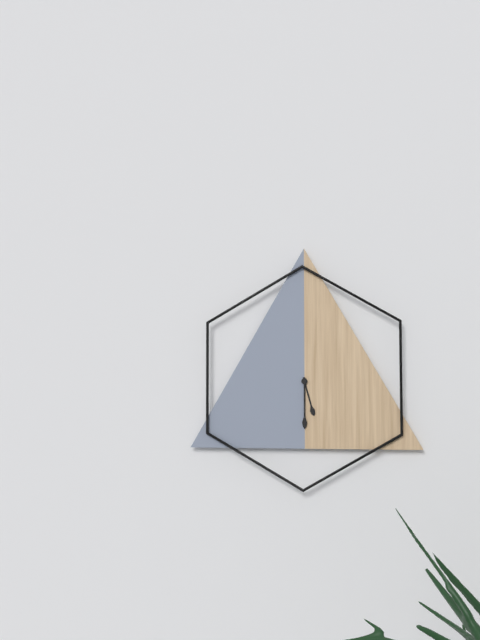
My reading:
5:30
